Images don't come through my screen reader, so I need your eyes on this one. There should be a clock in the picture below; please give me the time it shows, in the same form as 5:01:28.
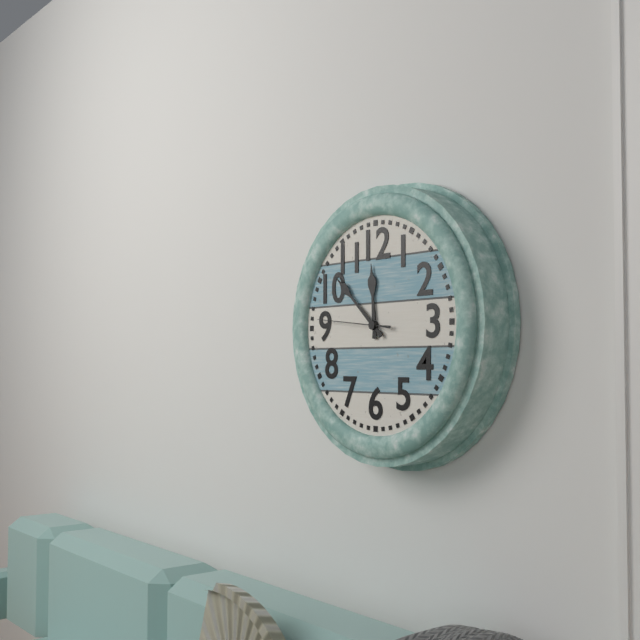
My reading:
11:52:46
